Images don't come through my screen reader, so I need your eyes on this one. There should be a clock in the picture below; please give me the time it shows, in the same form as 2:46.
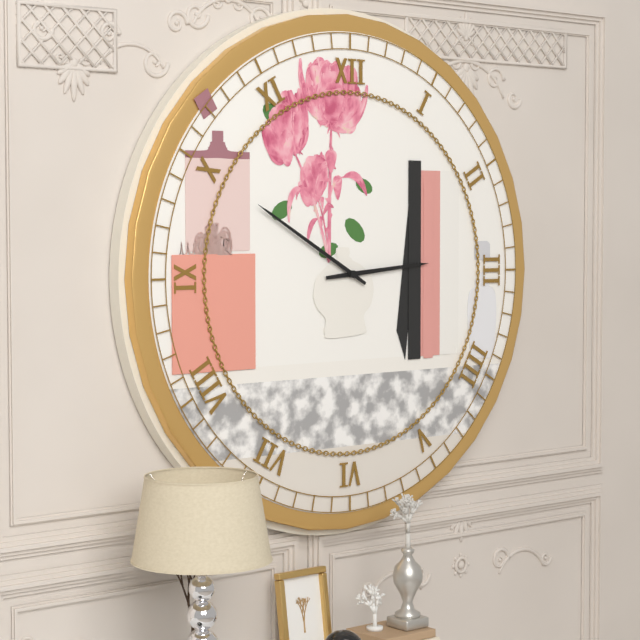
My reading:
2:50
